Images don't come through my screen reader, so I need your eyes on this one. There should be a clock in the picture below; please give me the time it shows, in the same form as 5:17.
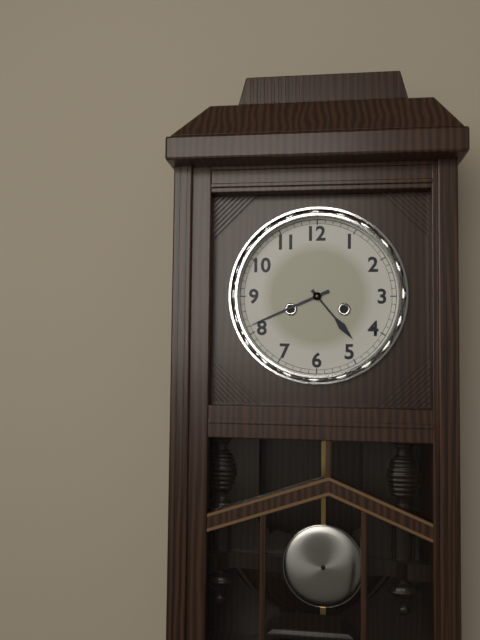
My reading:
4:41
